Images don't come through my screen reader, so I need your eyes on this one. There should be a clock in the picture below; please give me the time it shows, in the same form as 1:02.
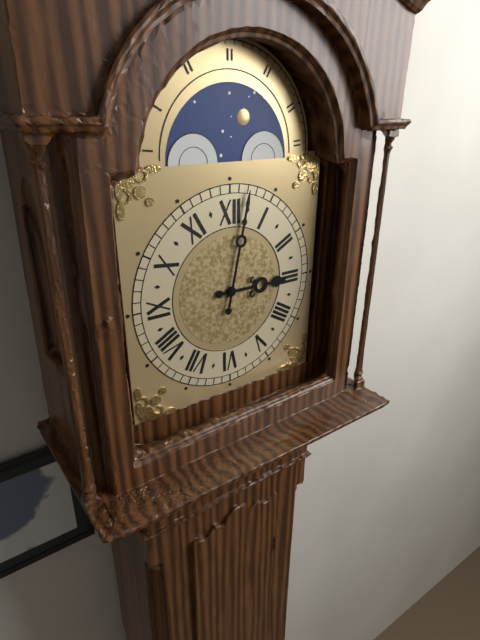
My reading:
3:02
